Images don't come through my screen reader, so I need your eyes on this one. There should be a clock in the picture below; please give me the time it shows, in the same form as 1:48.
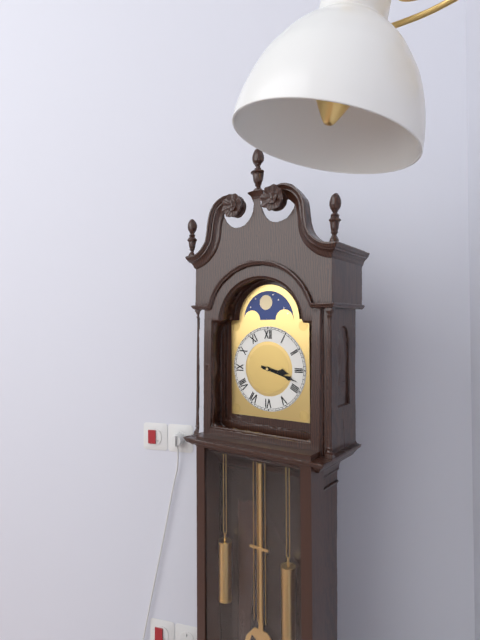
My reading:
3:18
